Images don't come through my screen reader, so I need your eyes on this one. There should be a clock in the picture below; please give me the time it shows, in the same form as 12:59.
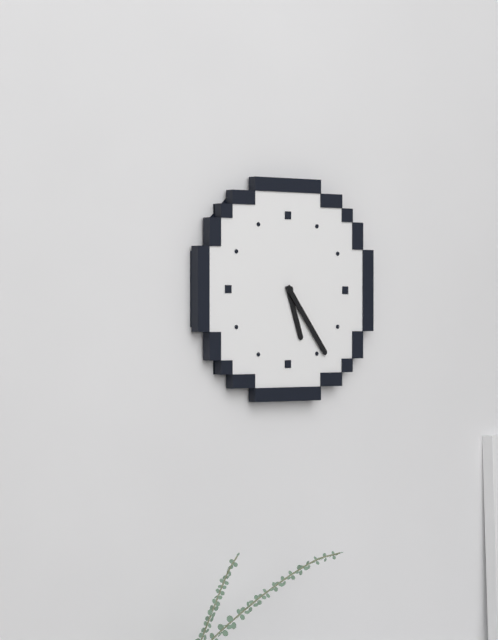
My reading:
5:24
